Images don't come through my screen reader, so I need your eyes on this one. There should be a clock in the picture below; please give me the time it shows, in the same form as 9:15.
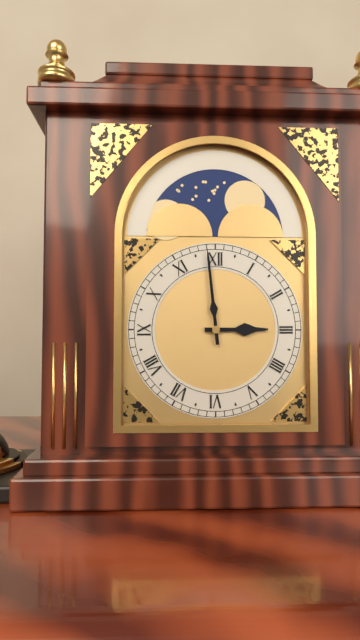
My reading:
2:59
